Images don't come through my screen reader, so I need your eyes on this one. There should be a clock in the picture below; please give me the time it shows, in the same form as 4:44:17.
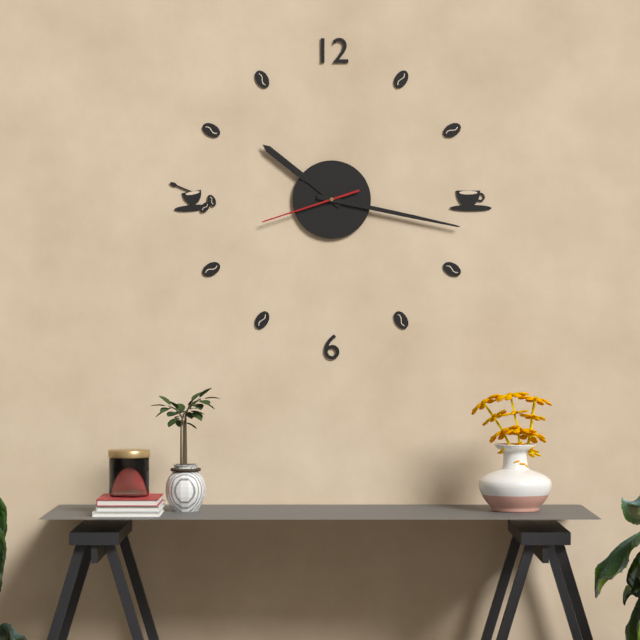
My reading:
10:17:42
